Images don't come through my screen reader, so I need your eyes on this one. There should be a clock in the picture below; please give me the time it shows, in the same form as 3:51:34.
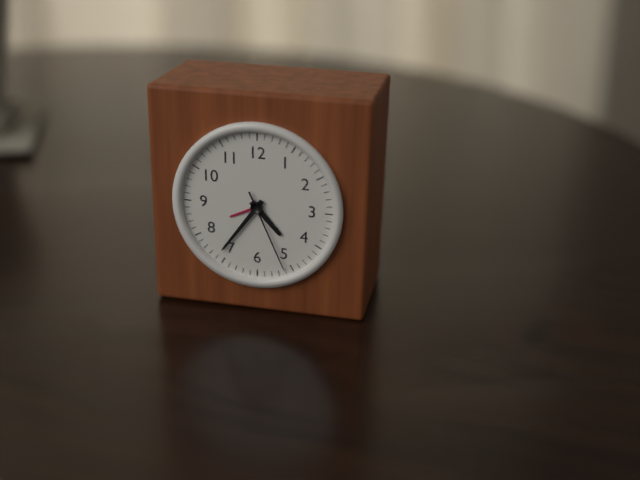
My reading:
4:36:26
